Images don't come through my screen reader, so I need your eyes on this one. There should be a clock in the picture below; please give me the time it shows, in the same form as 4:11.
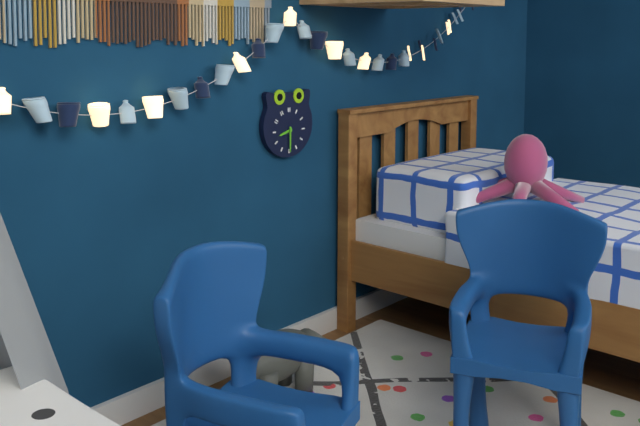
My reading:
8:30
